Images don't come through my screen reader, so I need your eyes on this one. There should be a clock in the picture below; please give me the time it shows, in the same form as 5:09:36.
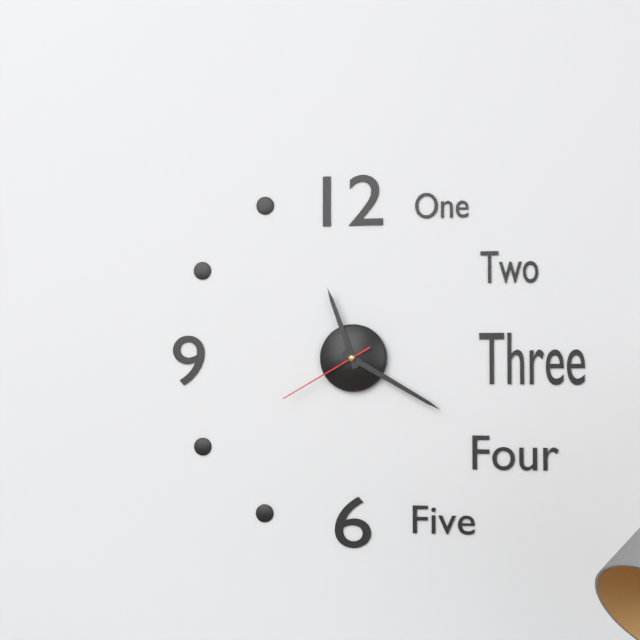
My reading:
11:20:40
